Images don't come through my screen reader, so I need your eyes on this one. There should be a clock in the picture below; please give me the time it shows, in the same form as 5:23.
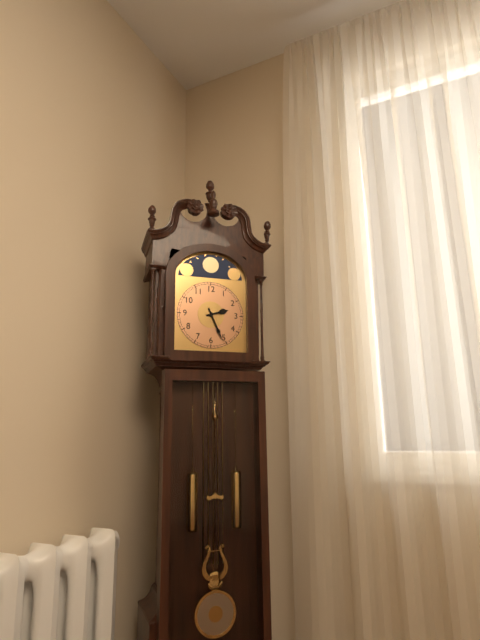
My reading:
2:26
